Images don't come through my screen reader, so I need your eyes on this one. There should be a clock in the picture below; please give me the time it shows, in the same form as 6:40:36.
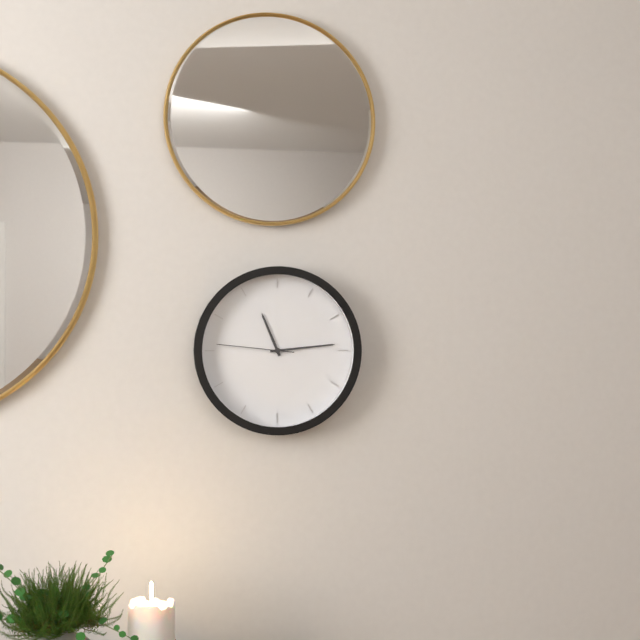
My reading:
11:14:46
